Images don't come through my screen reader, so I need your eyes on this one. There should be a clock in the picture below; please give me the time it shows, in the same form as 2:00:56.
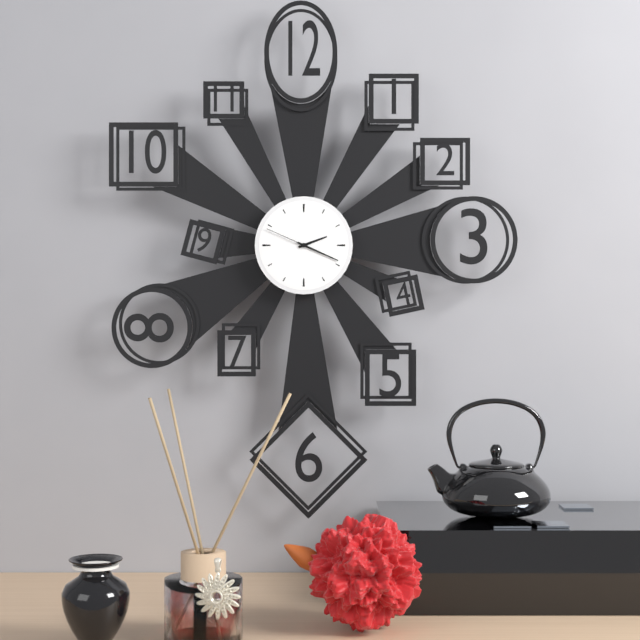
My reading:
2:19:49
